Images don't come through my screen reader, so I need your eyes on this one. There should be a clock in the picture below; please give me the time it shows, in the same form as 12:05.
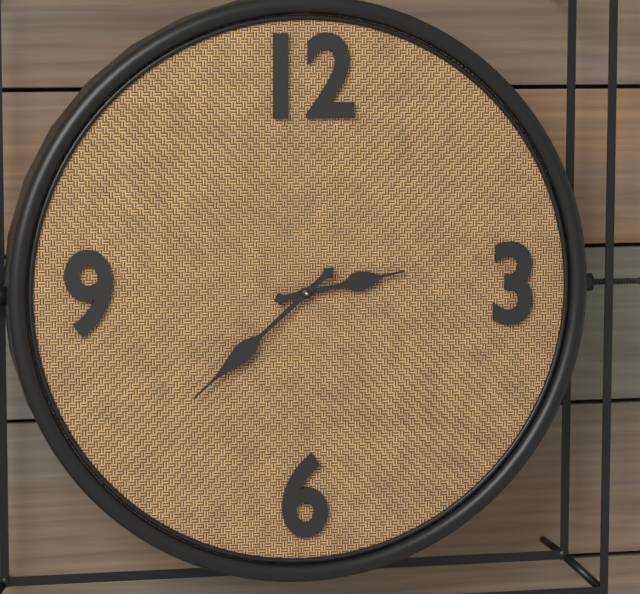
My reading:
2:38
